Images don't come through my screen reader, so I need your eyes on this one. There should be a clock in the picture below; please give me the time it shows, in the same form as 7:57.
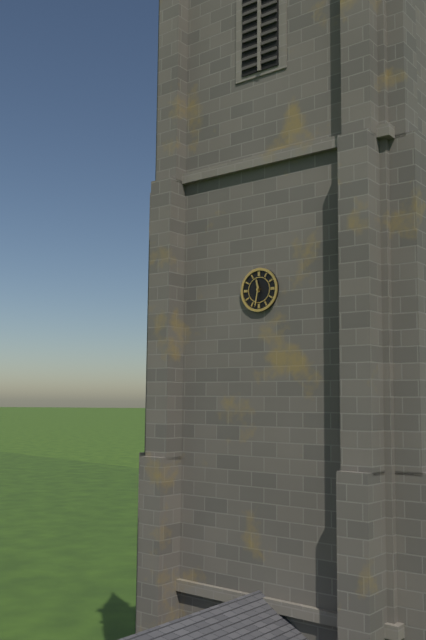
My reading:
11:32
